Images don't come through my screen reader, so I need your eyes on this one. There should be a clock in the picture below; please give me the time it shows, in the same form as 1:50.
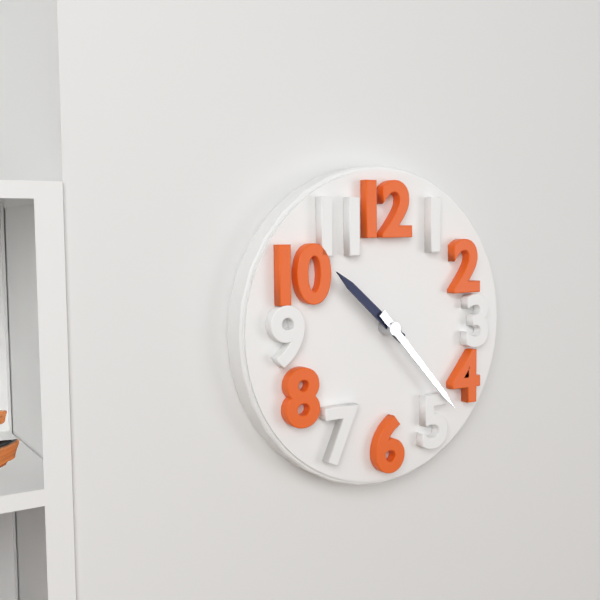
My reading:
10:23
